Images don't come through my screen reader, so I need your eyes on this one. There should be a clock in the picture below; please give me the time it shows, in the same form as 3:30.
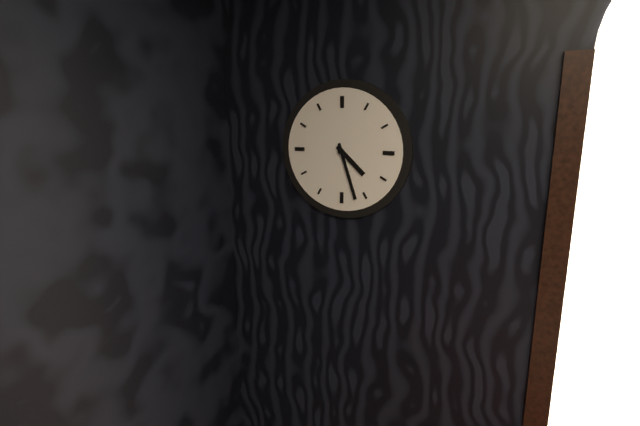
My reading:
4:27
